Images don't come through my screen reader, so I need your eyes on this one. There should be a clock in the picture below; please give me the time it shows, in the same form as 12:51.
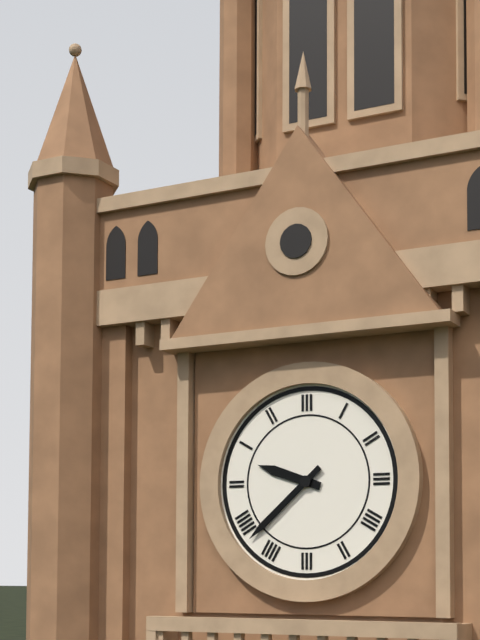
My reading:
9:38
